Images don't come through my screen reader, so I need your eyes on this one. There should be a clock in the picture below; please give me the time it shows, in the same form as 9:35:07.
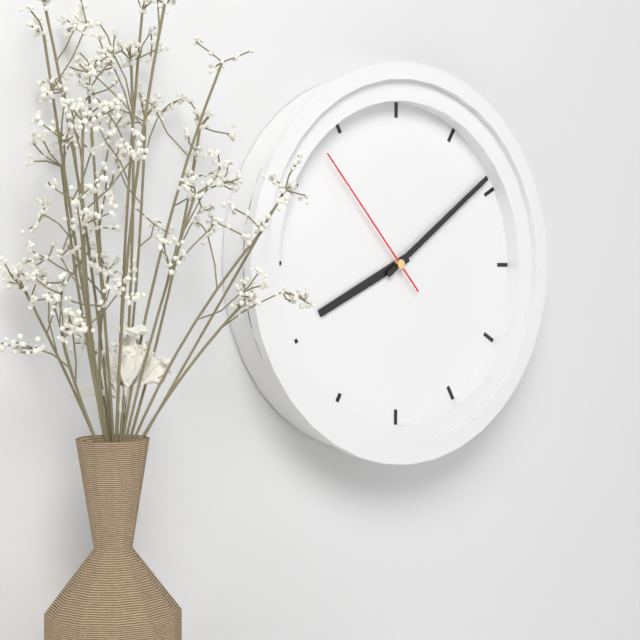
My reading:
8:09:53
